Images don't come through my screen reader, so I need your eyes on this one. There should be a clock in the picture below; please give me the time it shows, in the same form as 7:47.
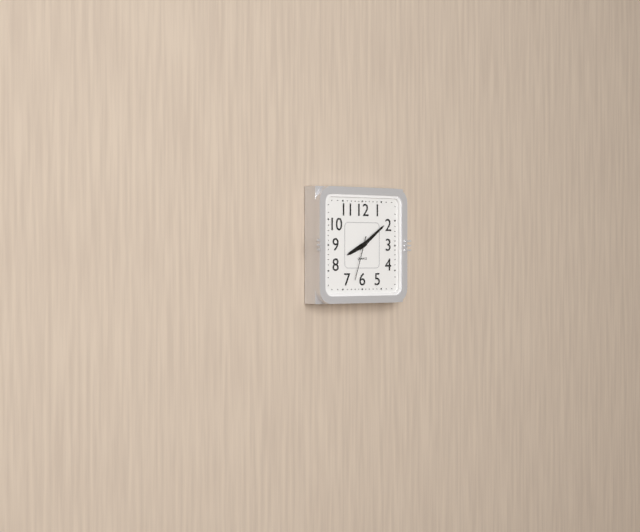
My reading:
8:09
